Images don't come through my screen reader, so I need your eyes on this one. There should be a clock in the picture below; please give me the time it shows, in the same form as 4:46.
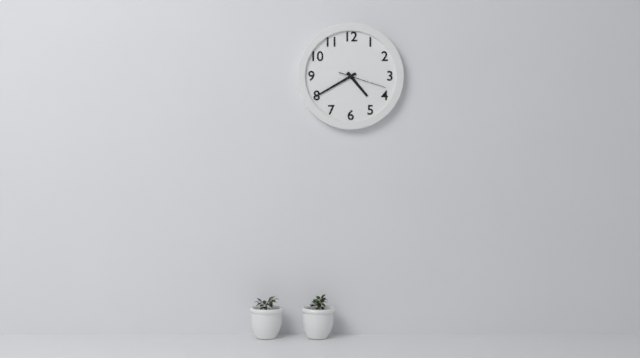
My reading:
4:40
